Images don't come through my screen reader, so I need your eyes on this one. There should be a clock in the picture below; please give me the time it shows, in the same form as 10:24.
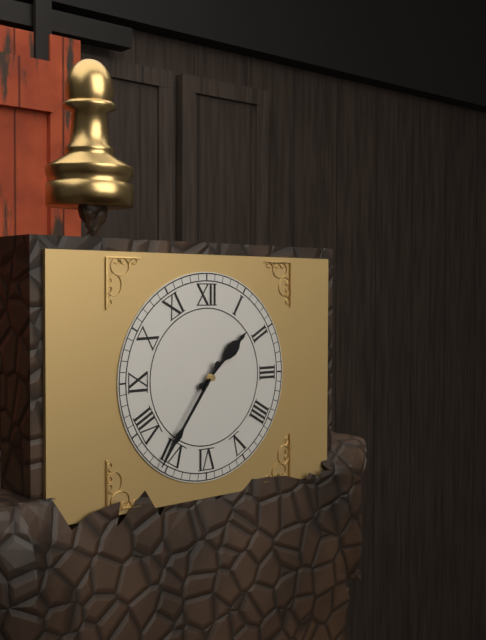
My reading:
1:36
